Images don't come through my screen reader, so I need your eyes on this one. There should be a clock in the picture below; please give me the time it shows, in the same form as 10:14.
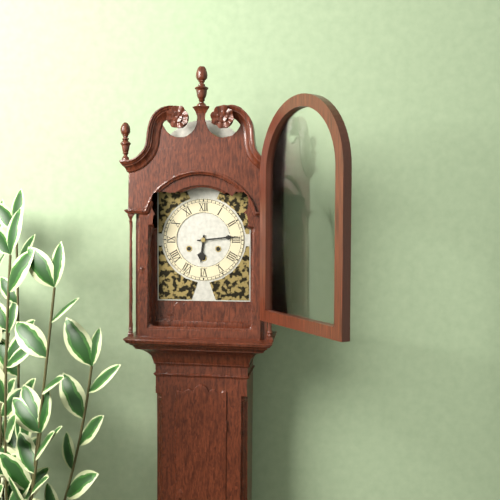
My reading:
6:14
